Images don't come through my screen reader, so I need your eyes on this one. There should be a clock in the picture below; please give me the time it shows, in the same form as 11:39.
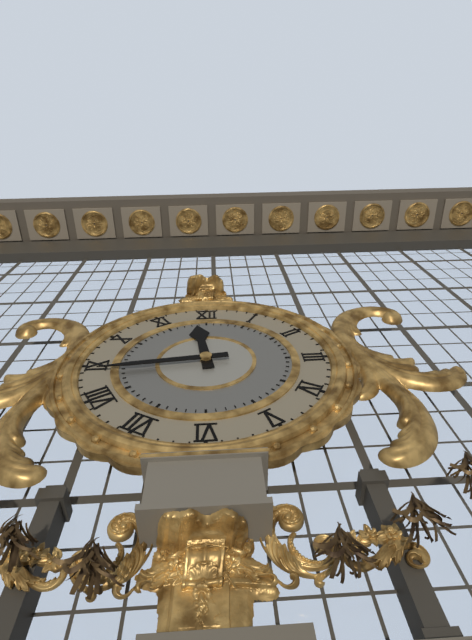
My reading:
11:44
